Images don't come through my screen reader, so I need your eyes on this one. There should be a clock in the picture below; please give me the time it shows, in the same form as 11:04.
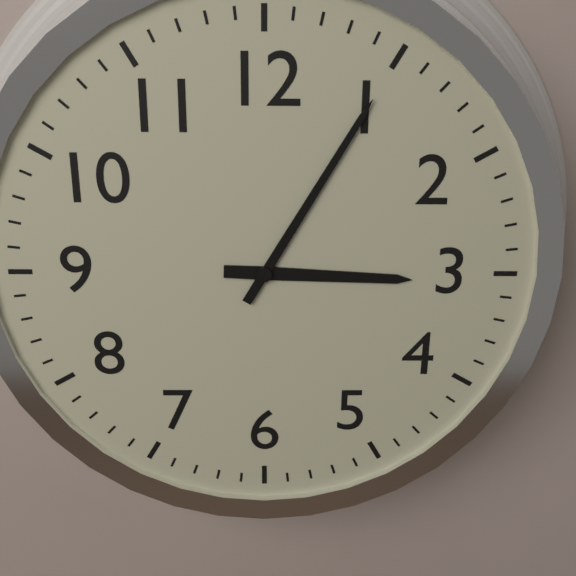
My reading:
3:05
